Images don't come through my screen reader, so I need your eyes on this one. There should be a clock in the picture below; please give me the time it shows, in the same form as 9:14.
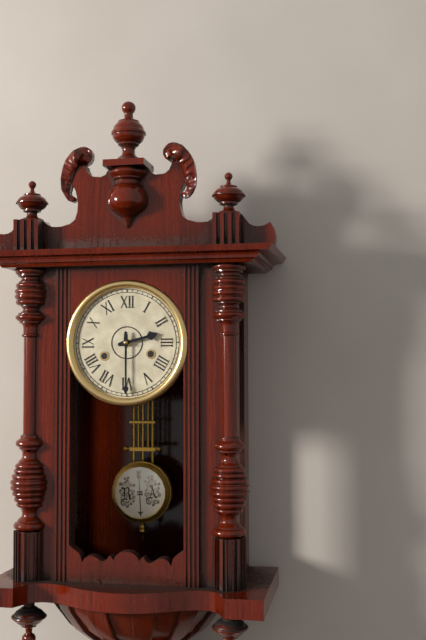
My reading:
2:30
